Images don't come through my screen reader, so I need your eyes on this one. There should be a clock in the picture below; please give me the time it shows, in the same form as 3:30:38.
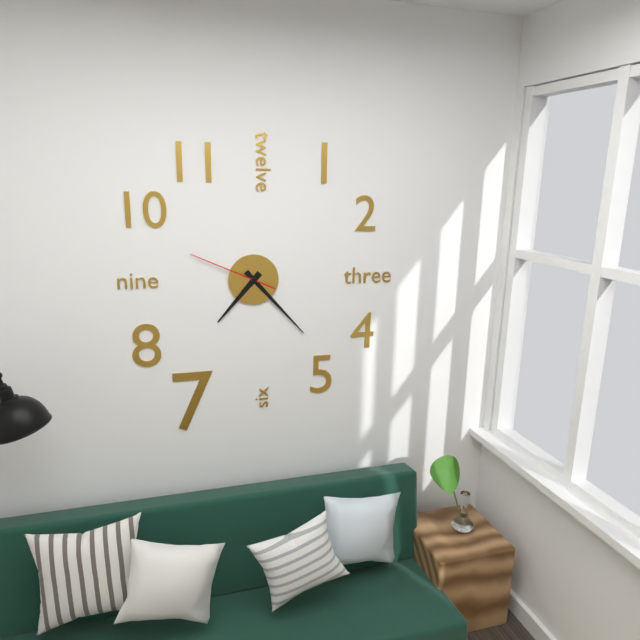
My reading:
7:23:49
